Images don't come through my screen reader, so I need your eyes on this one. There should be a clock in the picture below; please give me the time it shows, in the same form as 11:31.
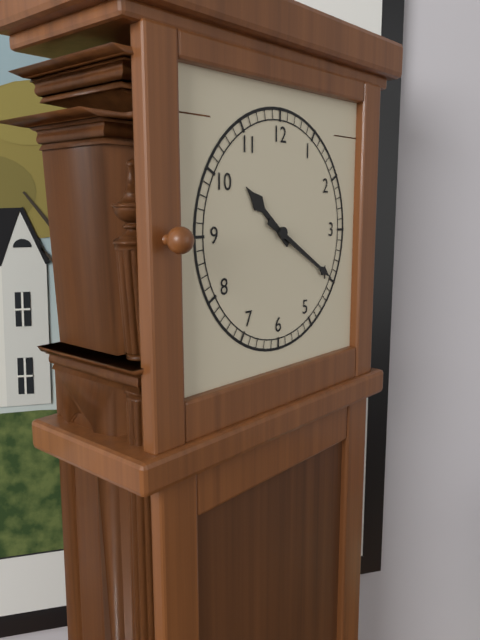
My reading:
10:20
